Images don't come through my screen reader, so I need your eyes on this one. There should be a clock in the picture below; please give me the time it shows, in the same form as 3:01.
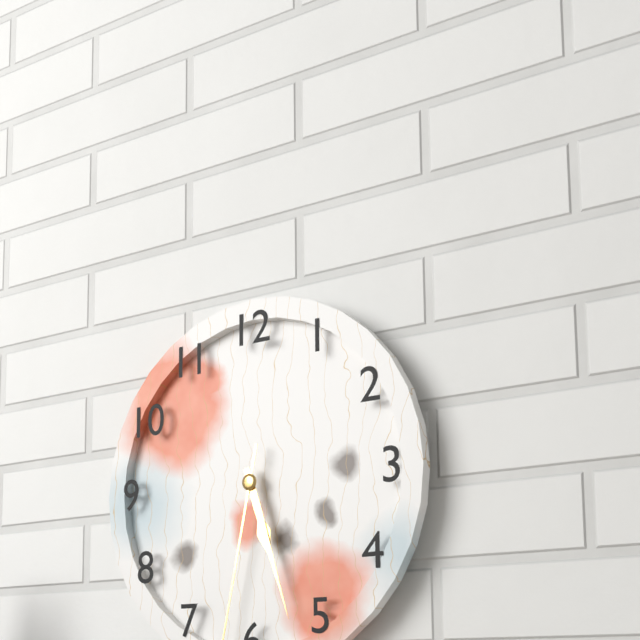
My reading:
5:27
